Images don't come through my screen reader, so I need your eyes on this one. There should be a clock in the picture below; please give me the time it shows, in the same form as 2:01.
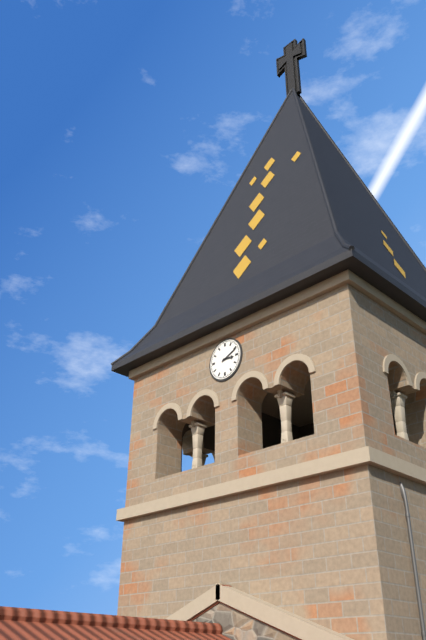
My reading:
3:11
